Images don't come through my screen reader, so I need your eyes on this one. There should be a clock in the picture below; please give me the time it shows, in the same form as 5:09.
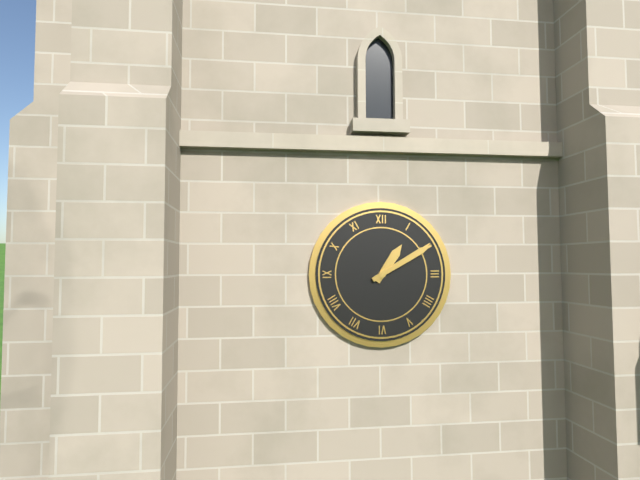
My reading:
1:10
